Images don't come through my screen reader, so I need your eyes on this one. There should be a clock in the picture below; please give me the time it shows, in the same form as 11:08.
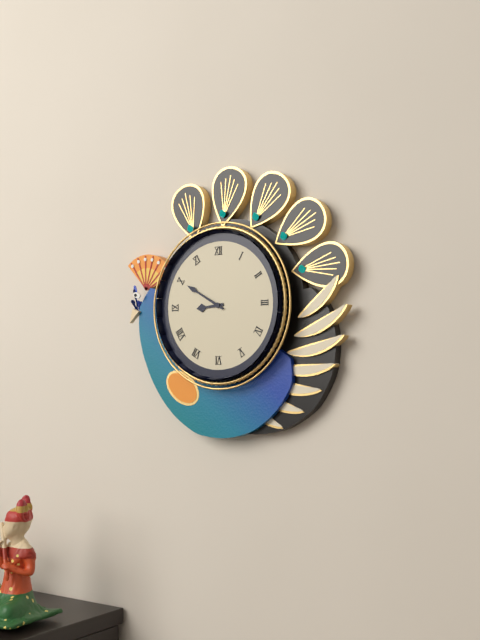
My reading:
8:50
